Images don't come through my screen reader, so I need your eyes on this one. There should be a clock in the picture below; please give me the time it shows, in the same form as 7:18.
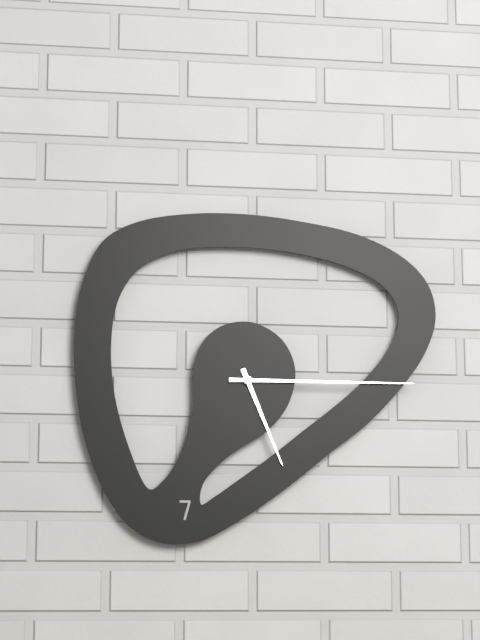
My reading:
5:15
